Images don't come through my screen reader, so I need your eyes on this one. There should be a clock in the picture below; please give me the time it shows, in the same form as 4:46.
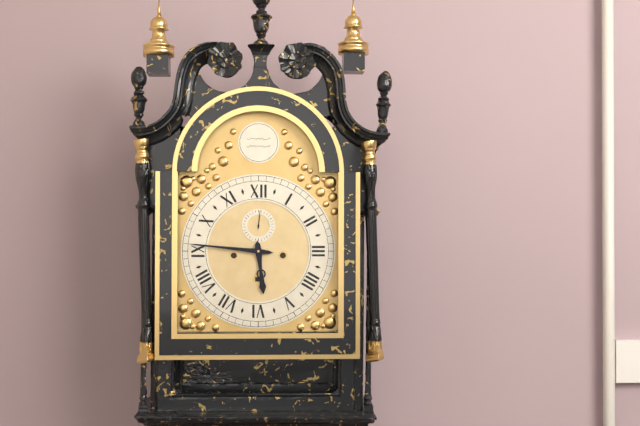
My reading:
5:46
